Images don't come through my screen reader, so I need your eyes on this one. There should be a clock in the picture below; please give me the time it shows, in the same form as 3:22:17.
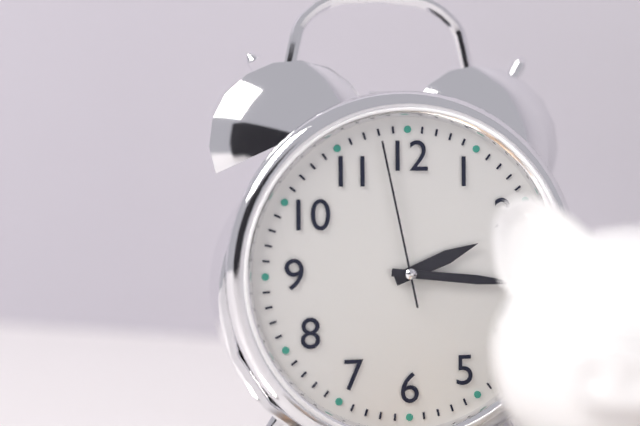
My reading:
2:16:58
